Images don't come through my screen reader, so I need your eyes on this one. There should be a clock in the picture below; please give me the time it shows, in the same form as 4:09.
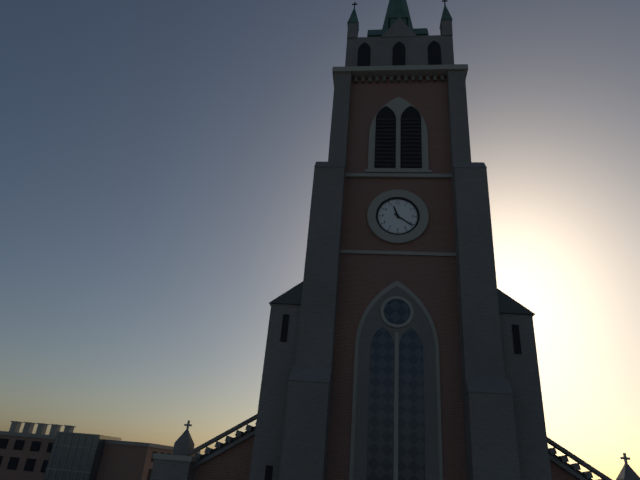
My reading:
11:21
